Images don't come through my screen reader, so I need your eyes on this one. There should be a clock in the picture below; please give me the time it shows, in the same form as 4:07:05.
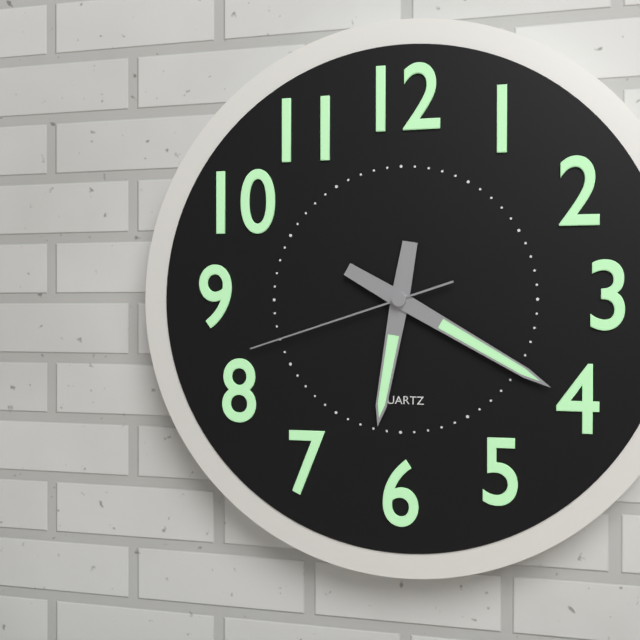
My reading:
6:20:42
